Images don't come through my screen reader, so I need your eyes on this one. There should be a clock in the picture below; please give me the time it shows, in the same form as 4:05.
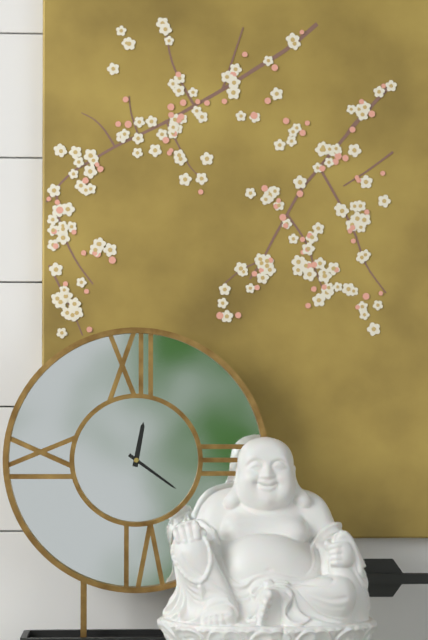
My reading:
12:21
